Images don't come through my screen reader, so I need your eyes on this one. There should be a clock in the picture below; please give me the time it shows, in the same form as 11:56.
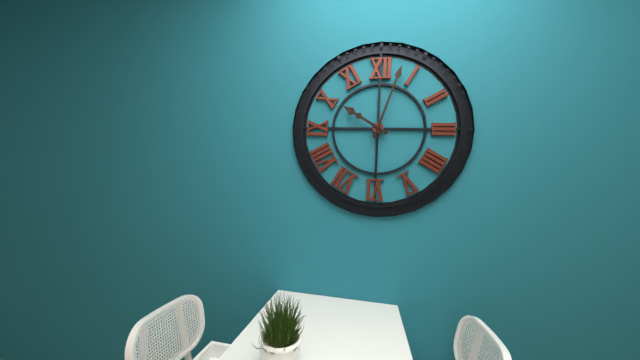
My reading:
10:03
